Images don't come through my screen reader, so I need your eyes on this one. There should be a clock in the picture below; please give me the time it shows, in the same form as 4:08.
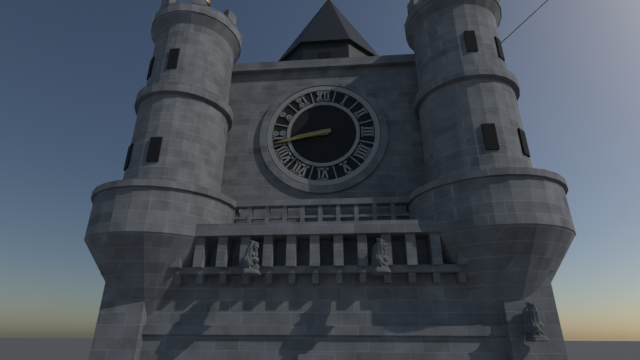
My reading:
8:43
